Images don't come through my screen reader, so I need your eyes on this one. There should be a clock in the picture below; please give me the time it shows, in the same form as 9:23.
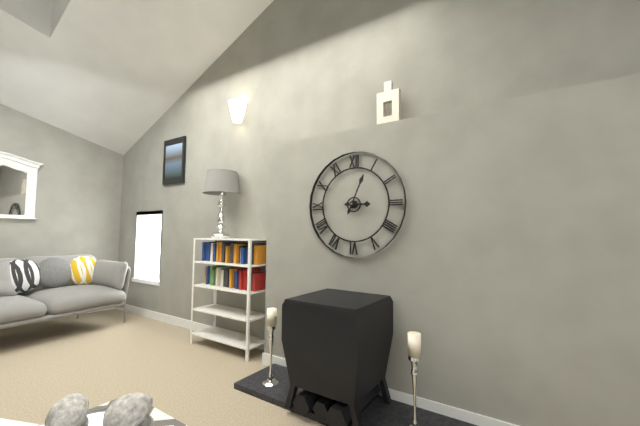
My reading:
3:04
